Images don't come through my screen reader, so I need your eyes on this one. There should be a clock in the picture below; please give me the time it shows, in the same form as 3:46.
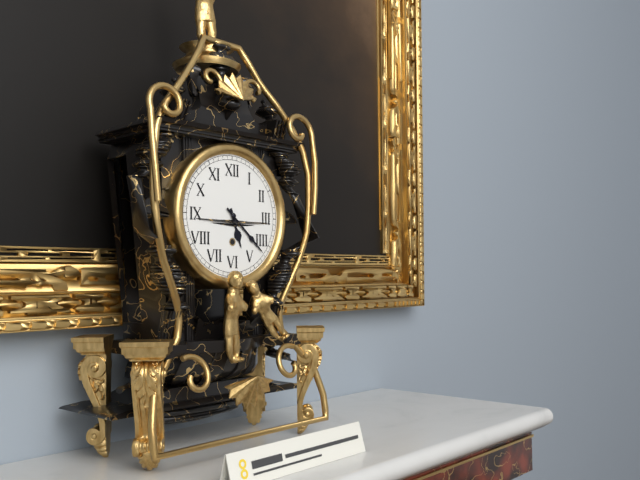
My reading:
5:22
